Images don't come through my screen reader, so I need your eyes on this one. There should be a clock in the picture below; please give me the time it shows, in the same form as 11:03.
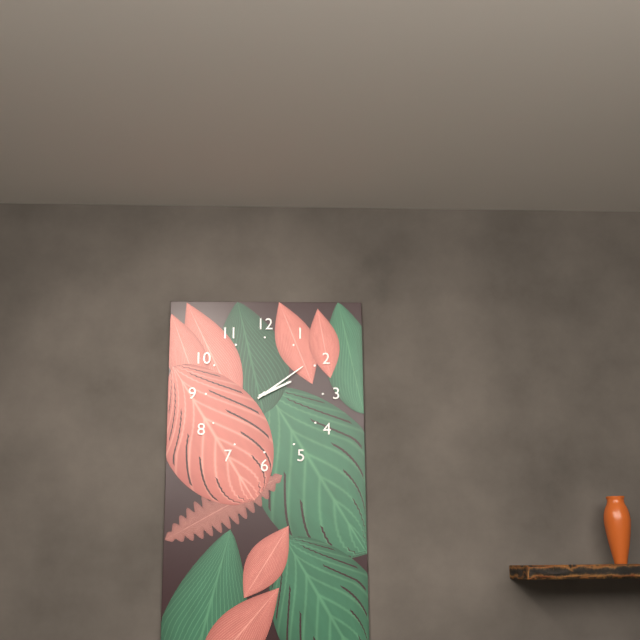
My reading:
2:09
